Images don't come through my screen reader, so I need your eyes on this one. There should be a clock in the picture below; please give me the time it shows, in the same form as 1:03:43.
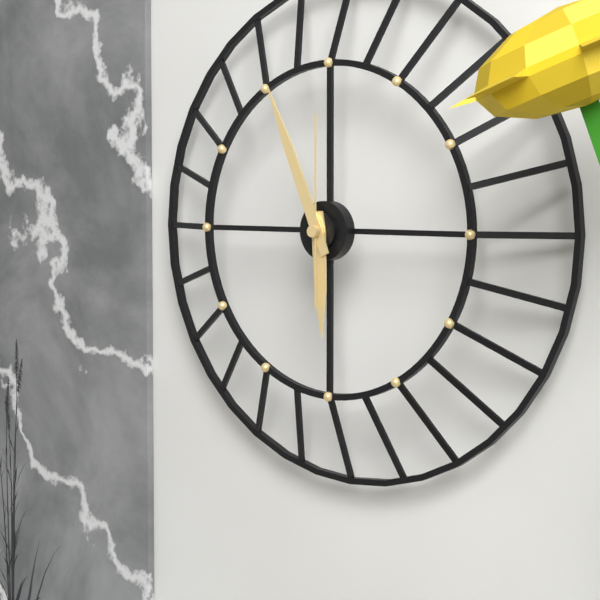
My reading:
5:56:00
